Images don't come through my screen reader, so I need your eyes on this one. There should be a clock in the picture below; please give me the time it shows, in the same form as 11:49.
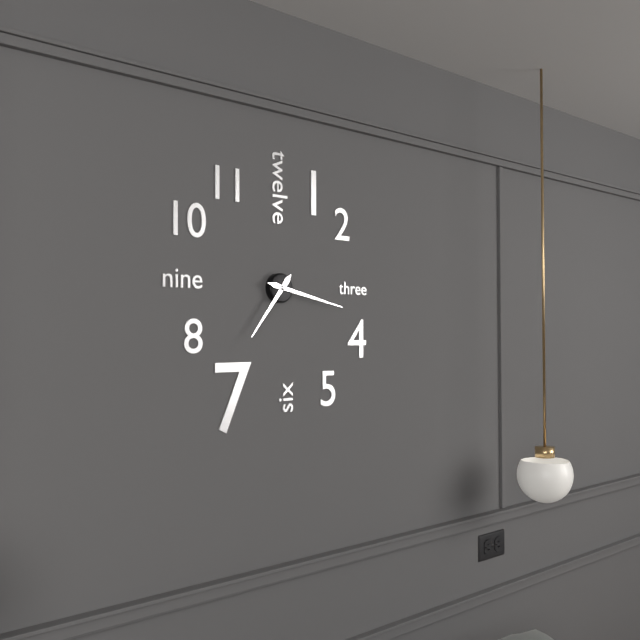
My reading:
7:17
